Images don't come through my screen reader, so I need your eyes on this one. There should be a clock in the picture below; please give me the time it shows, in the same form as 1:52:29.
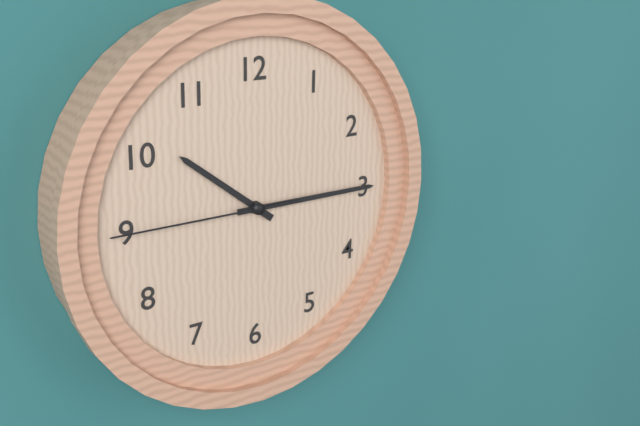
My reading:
10:15:45
